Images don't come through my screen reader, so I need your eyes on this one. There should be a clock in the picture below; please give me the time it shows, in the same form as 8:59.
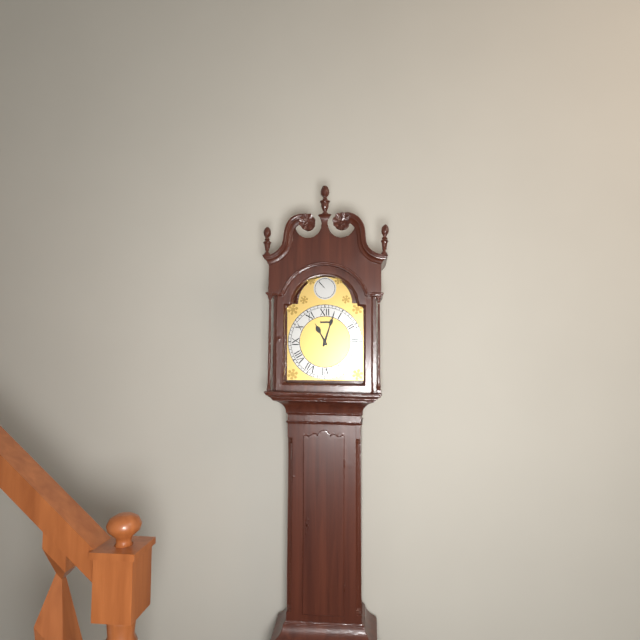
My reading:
11:03
